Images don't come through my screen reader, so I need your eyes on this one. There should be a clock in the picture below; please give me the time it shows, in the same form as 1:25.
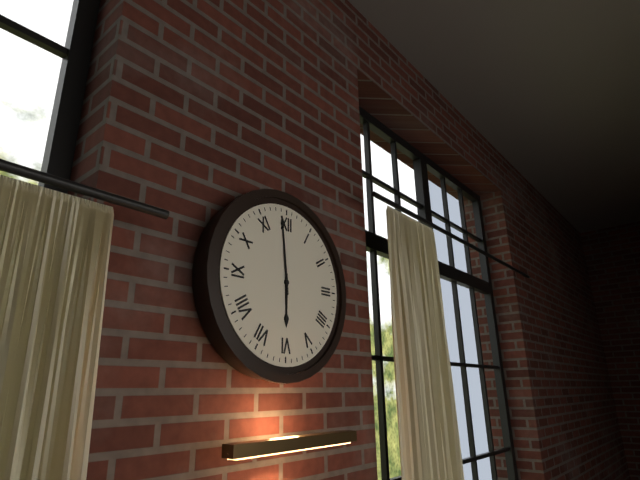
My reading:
5:59
